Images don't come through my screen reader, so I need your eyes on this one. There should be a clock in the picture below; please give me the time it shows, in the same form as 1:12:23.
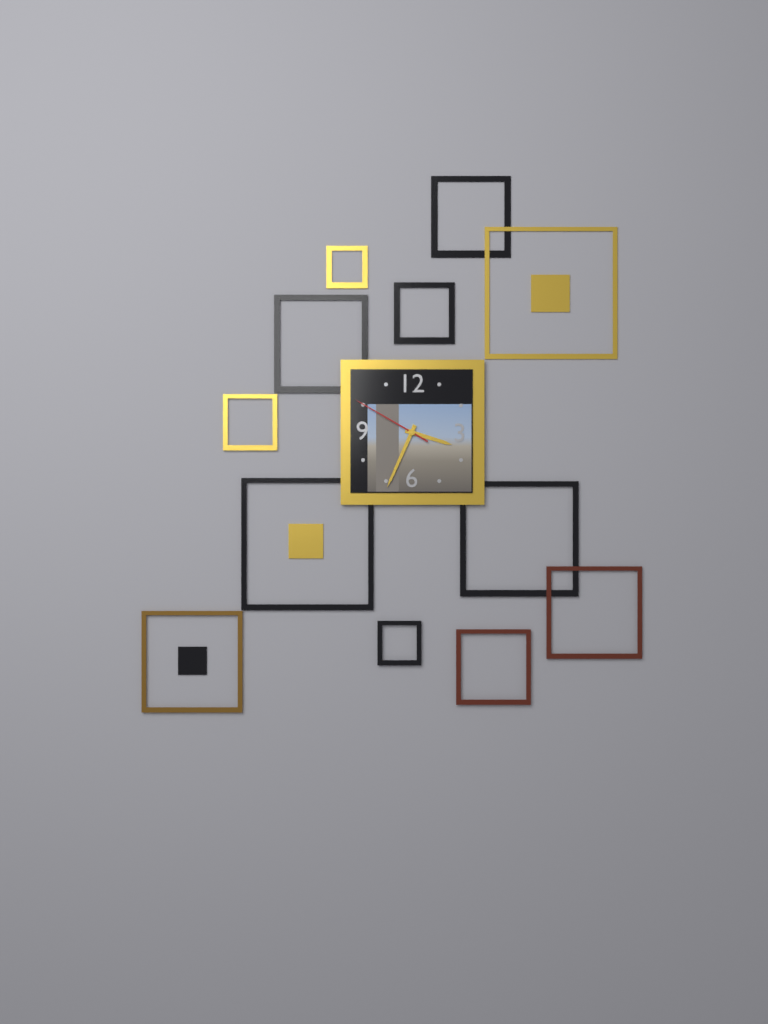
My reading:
3:34:50
